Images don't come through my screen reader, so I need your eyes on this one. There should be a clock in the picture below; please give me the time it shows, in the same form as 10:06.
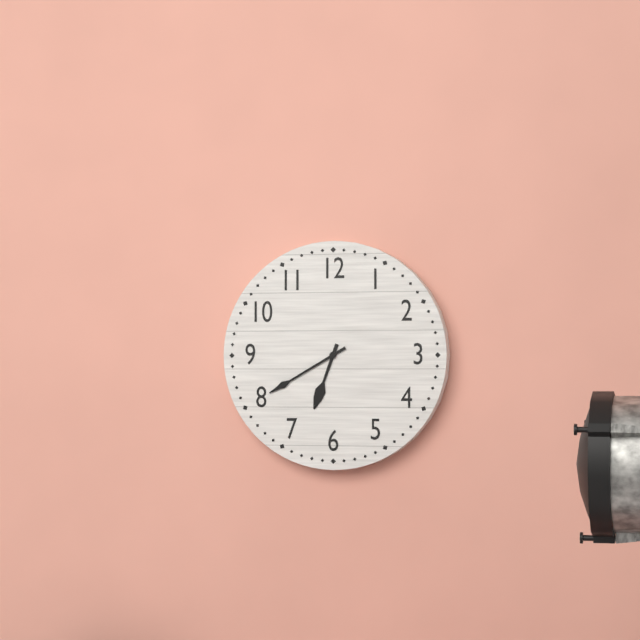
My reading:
6:40
